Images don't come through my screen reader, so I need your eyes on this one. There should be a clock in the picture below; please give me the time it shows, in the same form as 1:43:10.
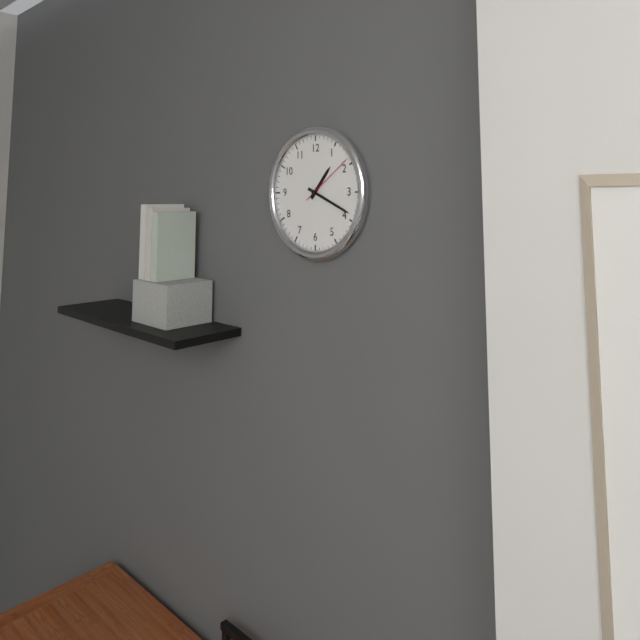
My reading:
1:19:09
